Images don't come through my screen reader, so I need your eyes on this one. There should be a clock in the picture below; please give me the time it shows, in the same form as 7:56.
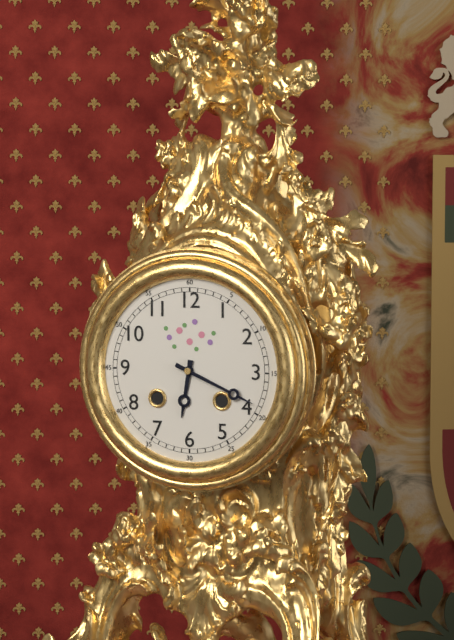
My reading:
6:19
